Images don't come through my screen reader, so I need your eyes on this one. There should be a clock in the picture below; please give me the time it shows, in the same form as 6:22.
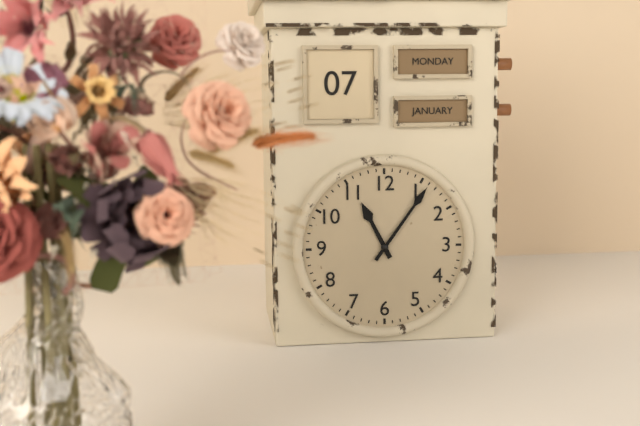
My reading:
11:06
